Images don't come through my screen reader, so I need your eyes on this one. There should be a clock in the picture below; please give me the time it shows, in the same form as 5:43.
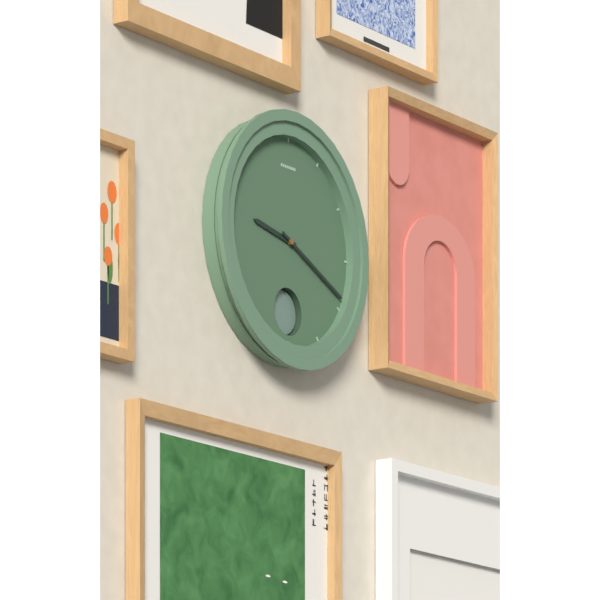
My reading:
9:19
